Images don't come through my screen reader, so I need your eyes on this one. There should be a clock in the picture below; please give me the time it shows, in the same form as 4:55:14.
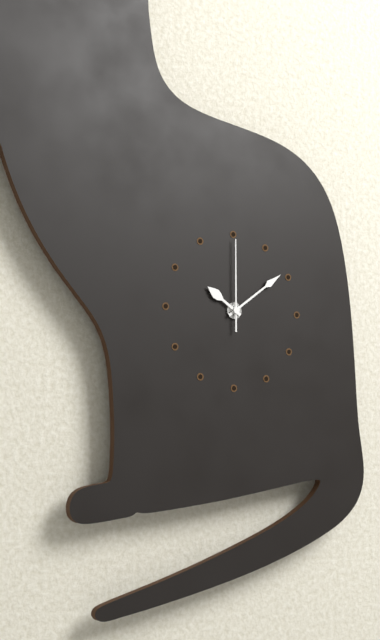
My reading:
10:09:00
